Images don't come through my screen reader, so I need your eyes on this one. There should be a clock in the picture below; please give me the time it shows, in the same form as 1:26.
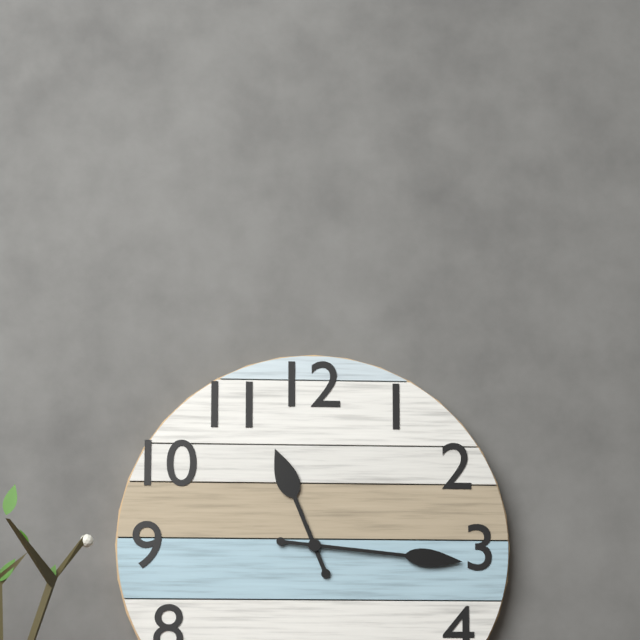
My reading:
11:16
